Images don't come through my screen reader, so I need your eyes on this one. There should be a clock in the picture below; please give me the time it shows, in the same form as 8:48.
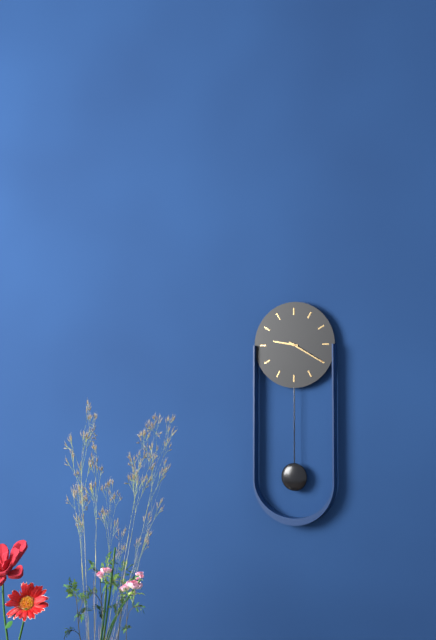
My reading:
9:20
